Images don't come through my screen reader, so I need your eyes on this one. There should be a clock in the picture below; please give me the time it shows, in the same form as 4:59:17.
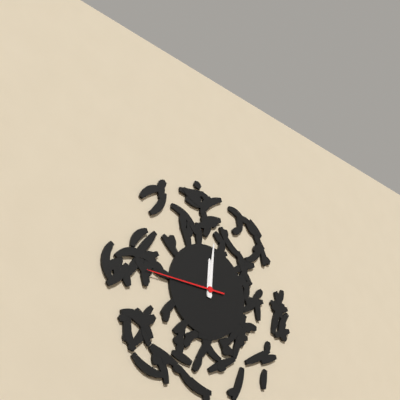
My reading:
12:01:45
